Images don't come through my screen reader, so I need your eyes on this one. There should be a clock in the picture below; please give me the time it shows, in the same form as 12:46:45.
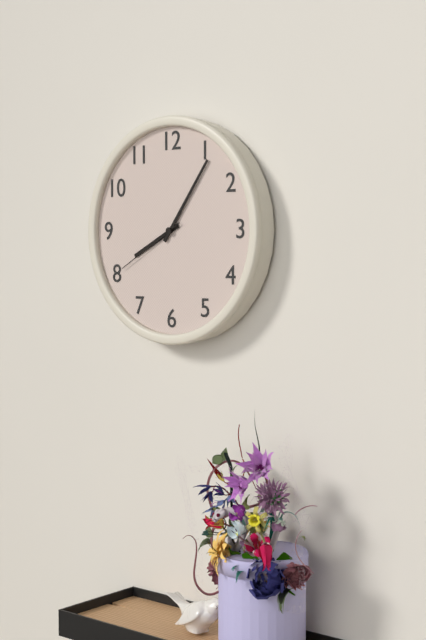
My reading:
8:06:40
